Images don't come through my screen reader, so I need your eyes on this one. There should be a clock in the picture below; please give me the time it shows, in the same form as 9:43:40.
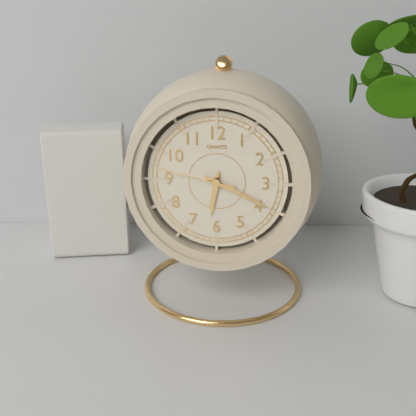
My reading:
6:19:47
